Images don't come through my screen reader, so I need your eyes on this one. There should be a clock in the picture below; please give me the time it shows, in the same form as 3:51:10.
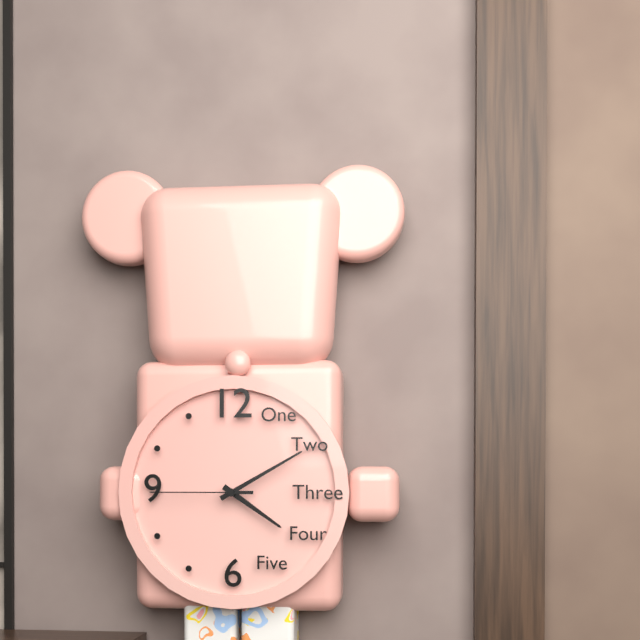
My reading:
4:10:45
